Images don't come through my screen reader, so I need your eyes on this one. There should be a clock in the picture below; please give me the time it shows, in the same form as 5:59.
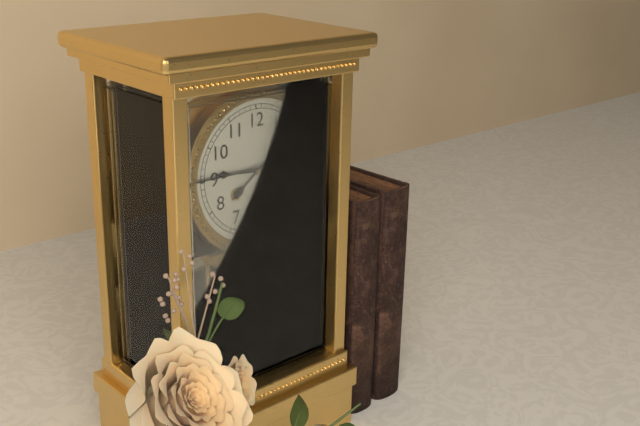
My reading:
7:46
